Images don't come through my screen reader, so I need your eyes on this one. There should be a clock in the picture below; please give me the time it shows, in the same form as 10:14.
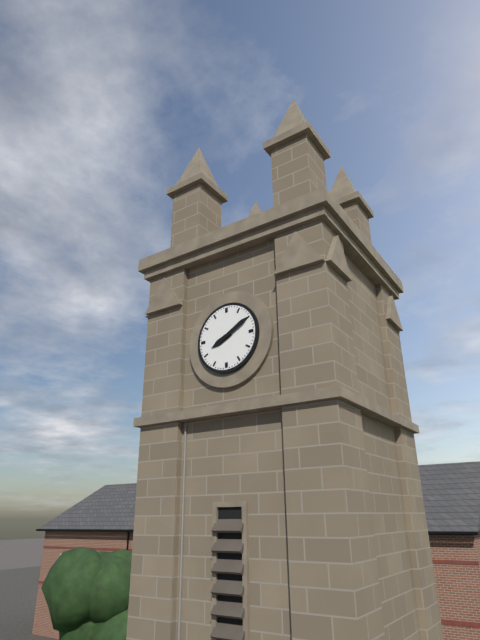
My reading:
8:10
